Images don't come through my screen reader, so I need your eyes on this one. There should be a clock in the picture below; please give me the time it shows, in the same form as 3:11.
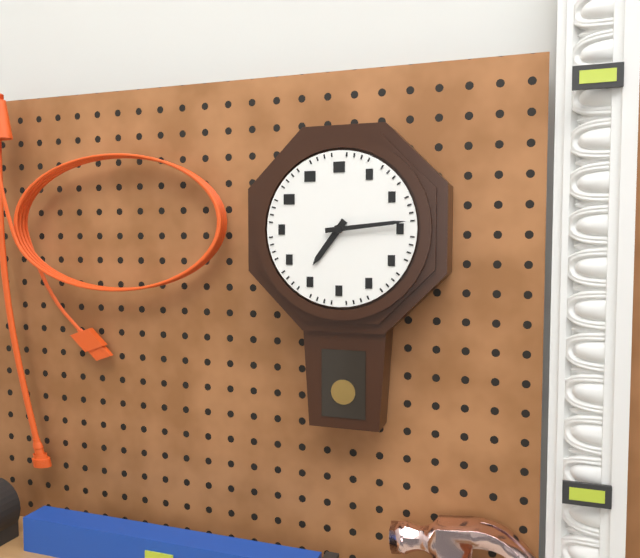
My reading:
7:14
